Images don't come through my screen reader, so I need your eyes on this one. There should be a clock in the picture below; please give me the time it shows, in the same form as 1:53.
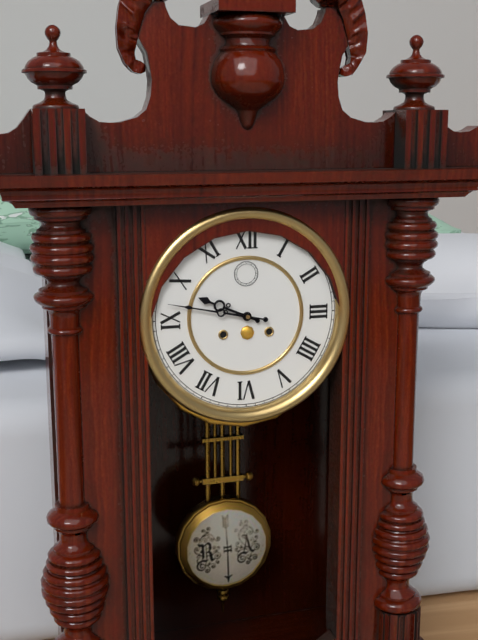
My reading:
9:47
